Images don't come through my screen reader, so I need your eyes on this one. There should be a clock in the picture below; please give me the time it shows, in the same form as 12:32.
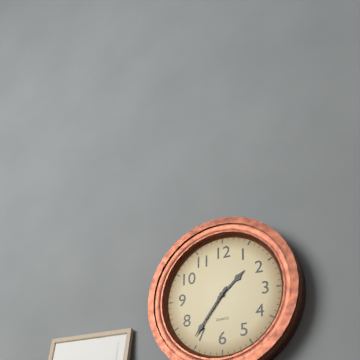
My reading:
1:36
